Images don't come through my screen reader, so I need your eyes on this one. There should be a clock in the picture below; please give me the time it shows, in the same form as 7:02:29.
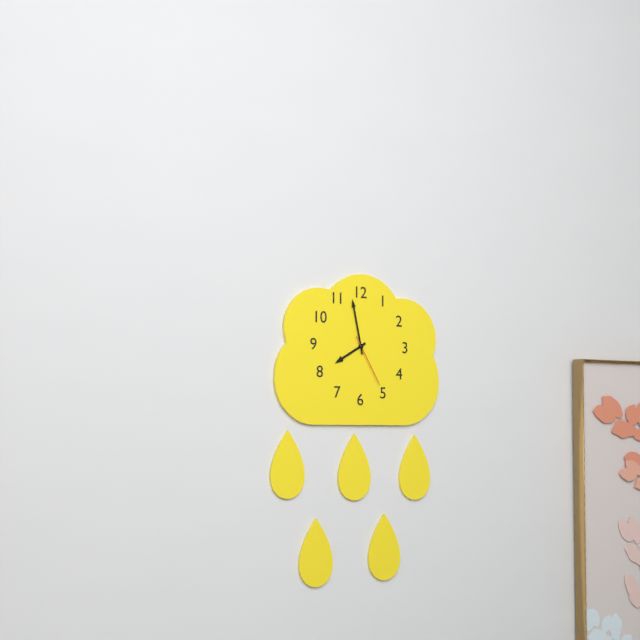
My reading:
7:58:25
